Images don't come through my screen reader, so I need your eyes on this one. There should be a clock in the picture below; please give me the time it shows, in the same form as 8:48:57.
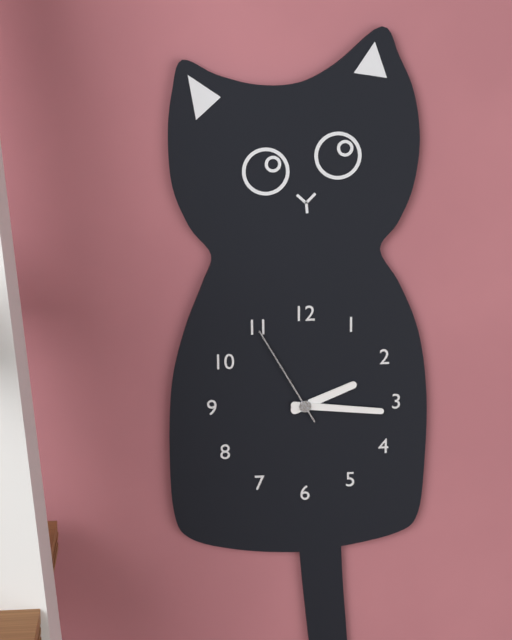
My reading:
2:16:55
